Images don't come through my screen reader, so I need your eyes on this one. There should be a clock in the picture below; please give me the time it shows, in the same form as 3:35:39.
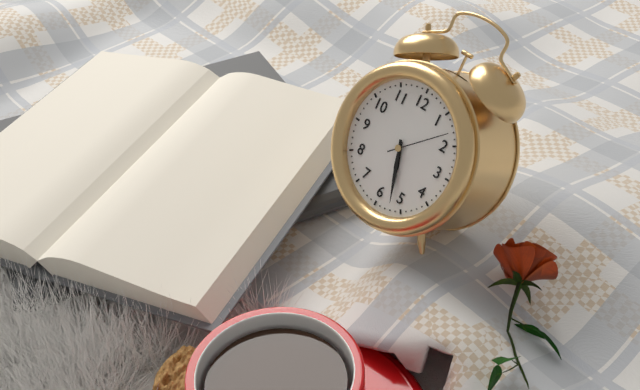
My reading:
5:27:08
